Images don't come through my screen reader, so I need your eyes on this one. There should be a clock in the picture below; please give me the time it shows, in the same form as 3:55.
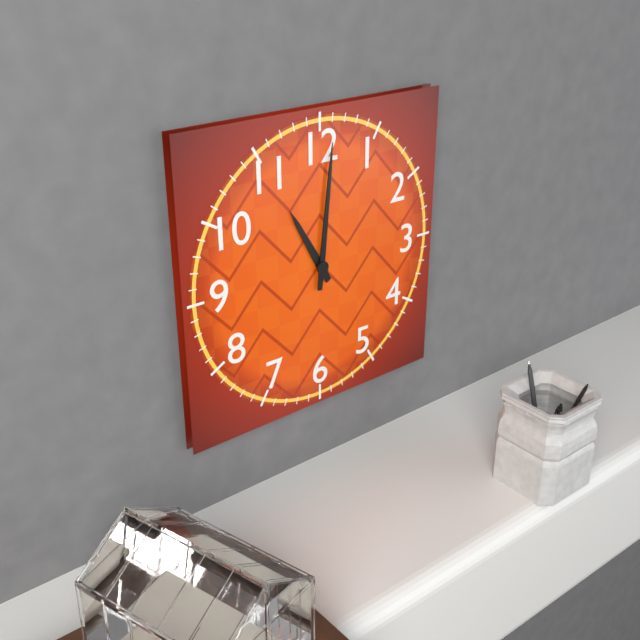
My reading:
11:01
